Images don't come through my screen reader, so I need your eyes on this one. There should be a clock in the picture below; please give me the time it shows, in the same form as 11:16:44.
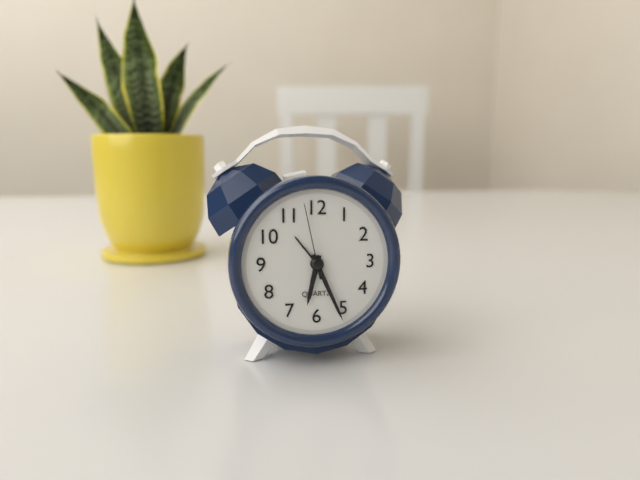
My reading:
6:26:58
